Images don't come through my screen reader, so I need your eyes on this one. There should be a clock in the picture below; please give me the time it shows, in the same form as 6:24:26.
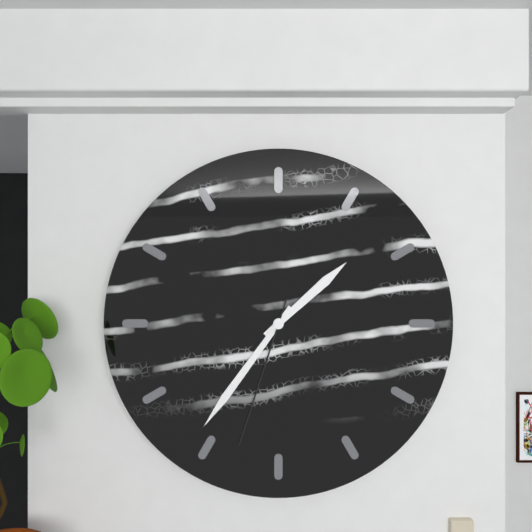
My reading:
1:36:33
